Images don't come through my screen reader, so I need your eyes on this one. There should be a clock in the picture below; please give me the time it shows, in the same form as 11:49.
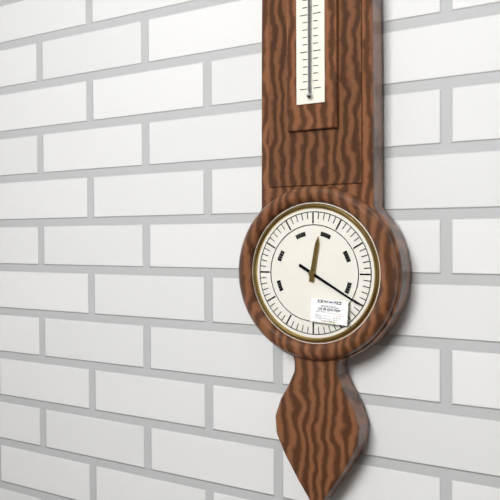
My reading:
12:20
